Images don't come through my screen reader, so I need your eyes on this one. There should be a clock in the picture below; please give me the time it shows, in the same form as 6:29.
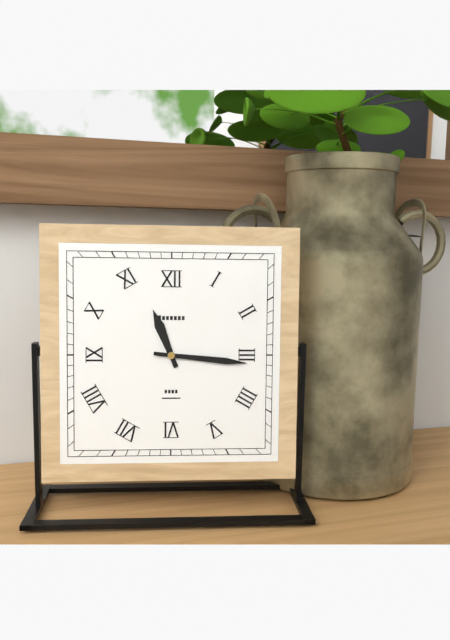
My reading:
11:16
